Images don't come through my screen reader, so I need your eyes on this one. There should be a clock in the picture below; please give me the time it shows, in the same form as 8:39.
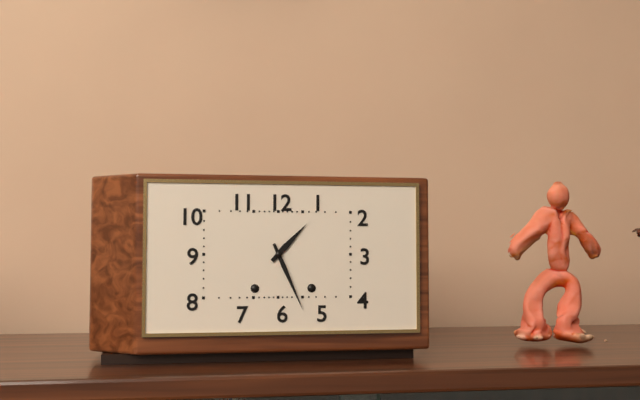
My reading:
1:26
